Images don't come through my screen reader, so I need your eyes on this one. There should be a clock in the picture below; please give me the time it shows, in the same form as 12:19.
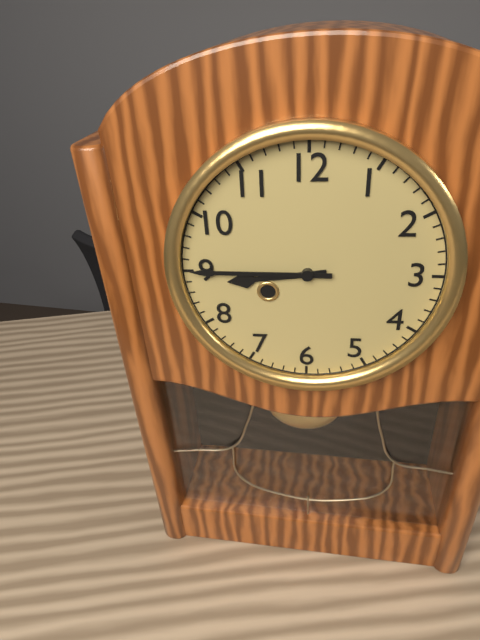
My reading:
8:45
